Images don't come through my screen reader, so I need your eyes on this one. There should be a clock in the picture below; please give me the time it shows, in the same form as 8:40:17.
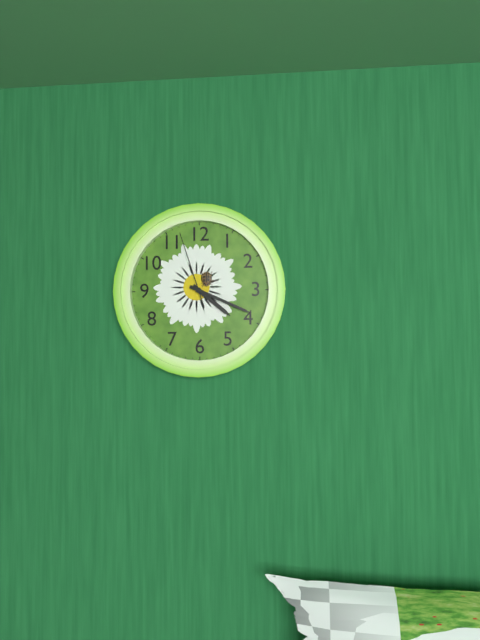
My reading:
4:19:57
